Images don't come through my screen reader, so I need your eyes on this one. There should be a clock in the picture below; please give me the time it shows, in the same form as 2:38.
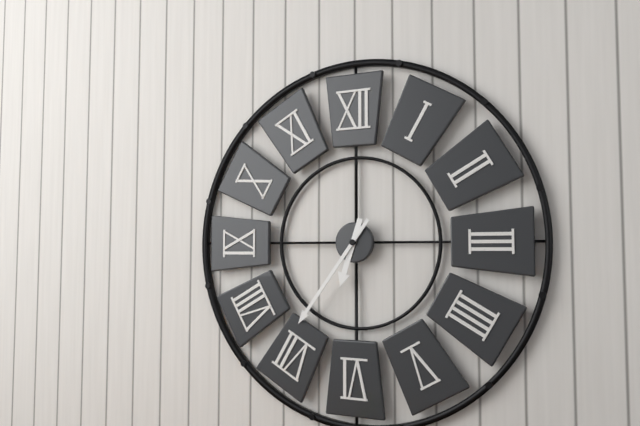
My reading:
6:36
